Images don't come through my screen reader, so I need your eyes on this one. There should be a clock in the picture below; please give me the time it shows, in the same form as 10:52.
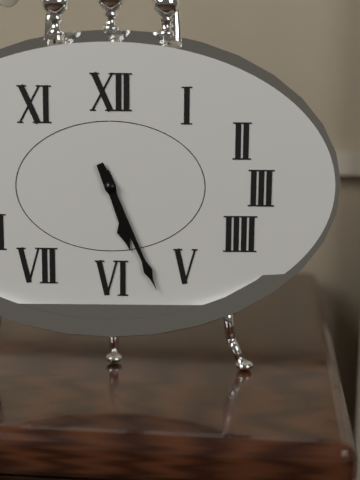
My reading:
5:26
